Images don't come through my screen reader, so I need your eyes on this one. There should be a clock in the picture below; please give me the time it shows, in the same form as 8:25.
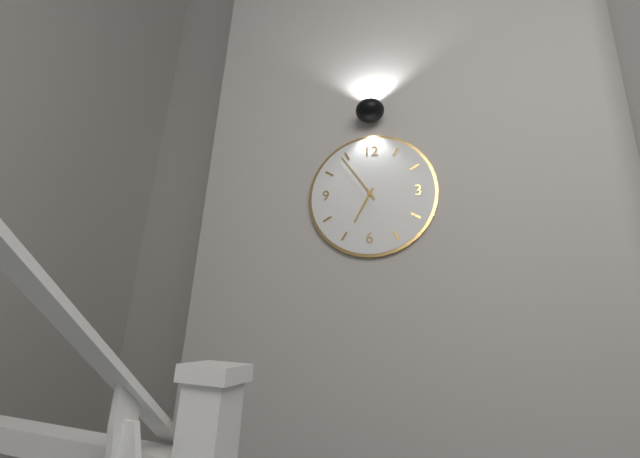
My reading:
6:54
